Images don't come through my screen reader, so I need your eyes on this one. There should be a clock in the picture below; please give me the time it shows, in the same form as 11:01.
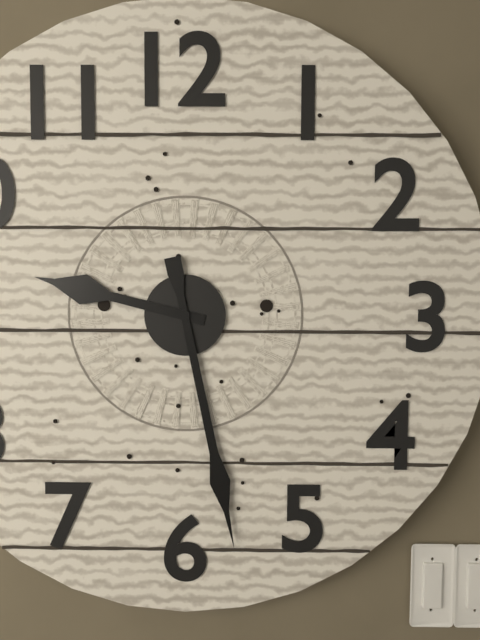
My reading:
9:28
